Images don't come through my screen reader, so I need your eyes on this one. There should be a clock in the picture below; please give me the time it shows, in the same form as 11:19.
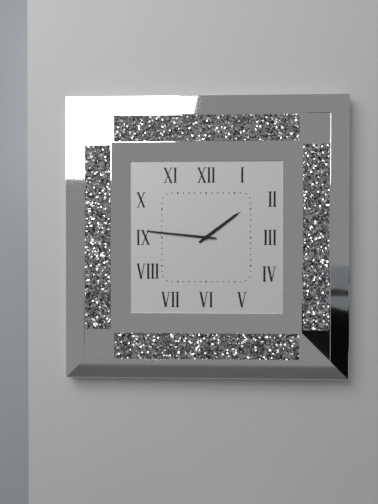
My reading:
1:46
